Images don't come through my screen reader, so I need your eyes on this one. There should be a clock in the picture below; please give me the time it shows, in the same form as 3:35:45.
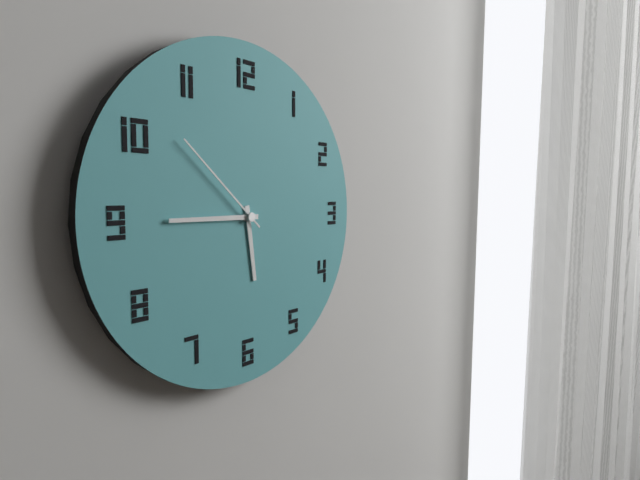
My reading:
5:45:52
